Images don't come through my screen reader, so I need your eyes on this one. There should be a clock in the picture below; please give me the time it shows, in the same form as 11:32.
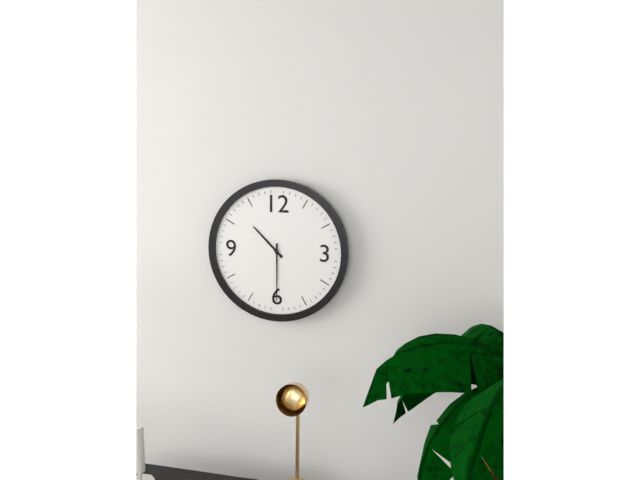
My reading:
10:30
